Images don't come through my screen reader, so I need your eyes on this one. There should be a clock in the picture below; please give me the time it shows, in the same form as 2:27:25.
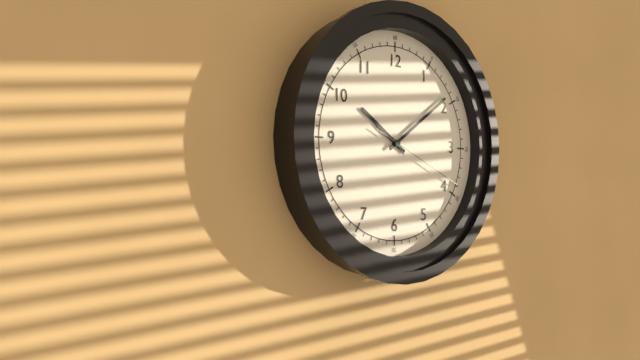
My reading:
10:09:19
